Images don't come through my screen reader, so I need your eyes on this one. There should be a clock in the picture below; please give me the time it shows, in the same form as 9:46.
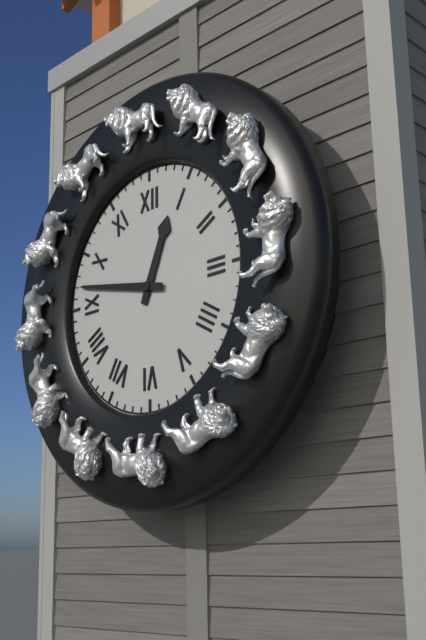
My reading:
12:47
